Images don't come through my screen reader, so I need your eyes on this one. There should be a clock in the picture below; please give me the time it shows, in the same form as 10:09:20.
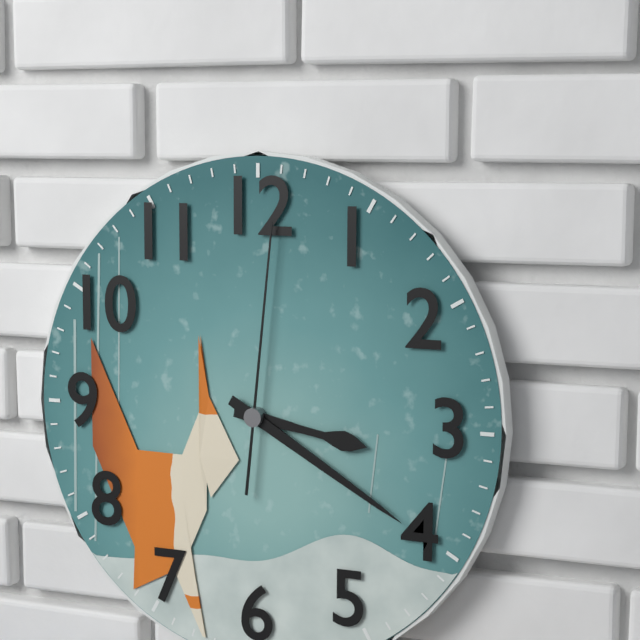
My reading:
3:20:01
